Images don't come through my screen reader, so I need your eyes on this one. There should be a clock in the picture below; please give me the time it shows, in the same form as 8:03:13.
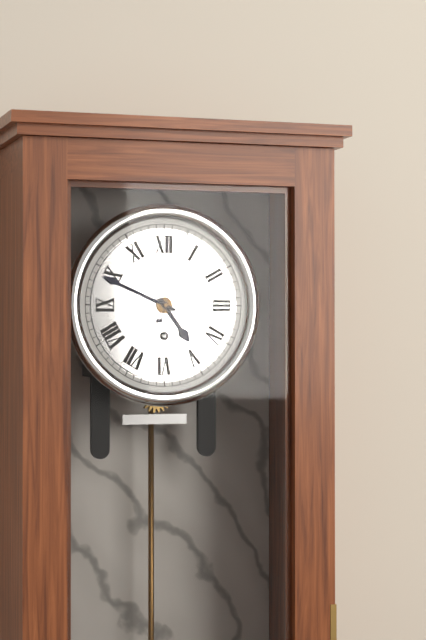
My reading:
4:49:03
